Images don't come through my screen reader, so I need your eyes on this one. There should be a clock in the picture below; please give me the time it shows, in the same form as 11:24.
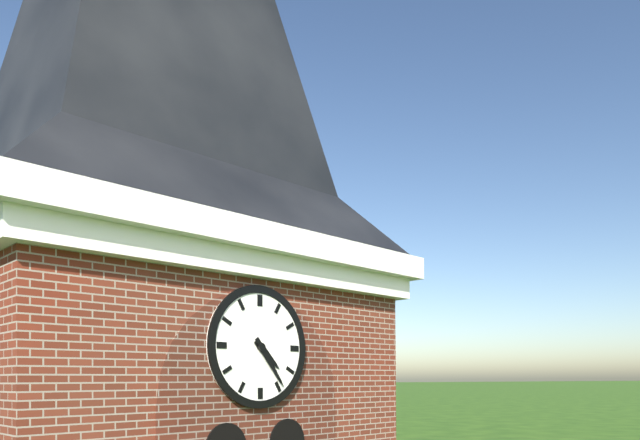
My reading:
4:24
